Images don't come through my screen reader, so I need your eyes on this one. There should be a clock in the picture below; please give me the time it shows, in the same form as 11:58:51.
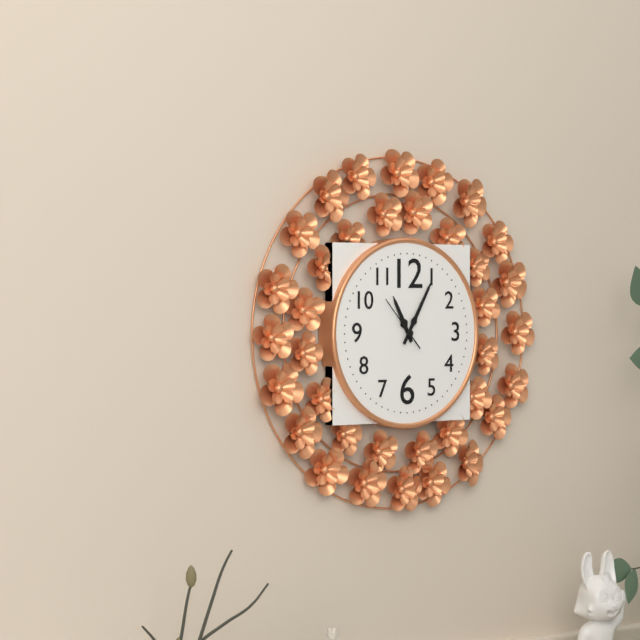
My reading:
11:05:53
